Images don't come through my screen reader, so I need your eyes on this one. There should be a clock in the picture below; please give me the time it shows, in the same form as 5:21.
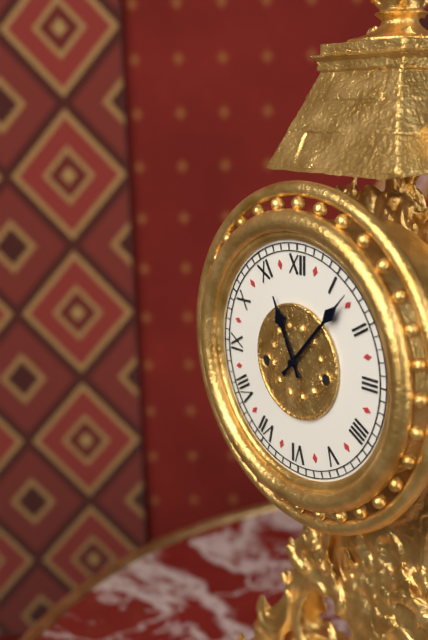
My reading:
11:07
